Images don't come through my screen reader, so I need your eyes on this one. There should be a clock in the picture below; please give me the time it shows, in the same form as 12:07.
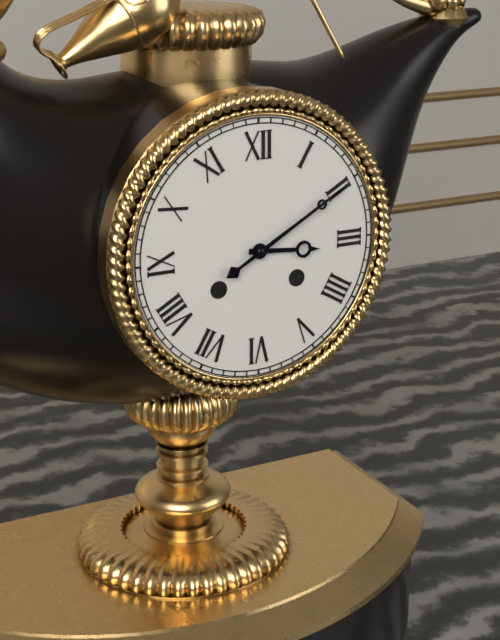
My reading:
3:10
